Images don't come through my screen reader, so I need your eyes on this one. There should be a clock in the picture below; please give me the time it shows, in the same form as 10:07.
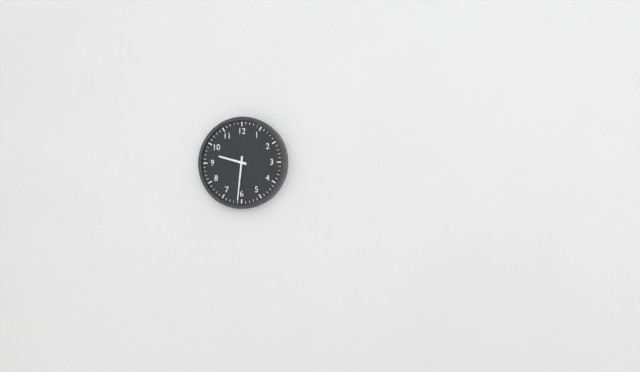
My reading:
9:31
